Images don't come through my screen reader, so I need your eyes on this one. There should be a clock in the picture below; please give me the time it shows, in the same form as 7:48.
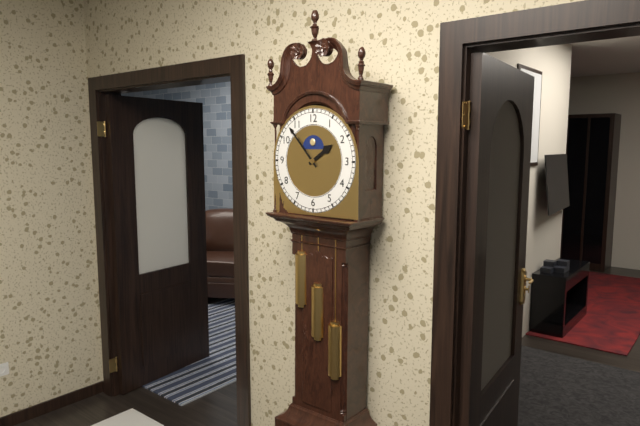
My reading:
1:53
